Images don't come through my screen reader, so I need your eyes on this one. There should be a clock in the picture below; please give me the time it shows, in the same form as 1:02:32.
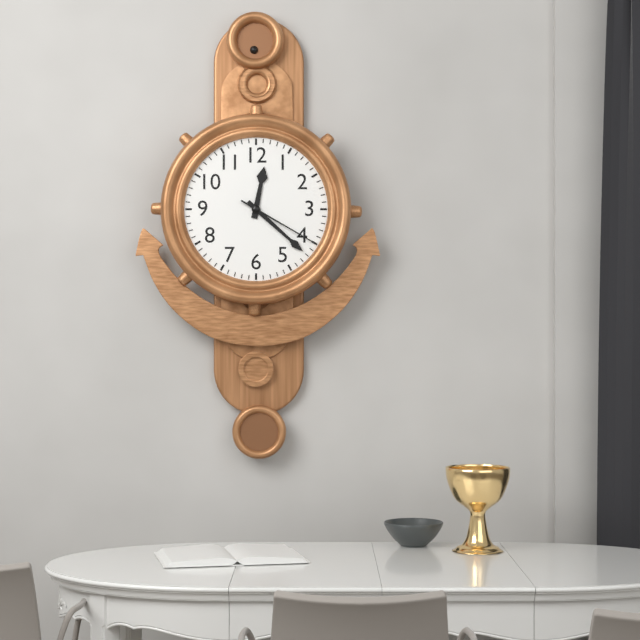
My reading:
12:22:20
